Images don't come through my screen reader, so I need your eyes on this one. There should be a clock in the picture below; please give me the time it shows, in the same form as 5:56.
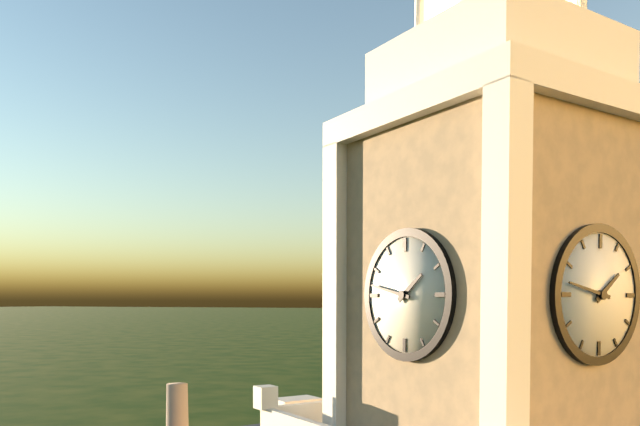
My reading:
1:47
